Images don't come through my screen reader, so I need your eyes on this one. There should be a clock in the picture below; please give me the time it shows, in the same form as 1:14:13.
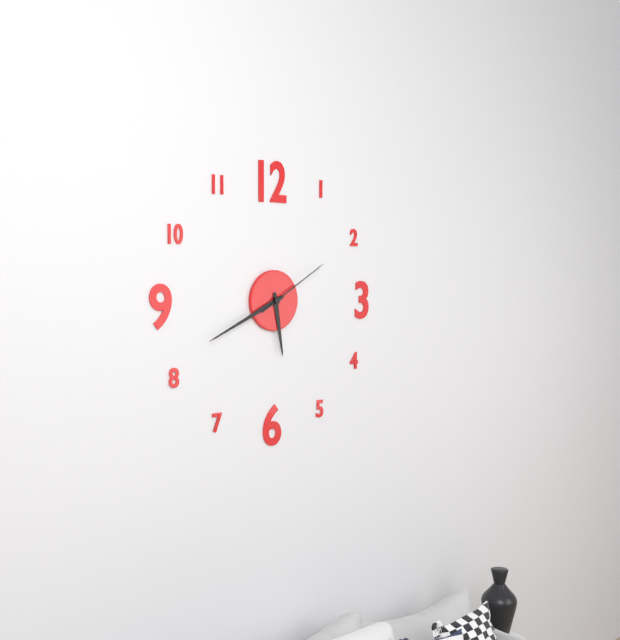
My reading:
5:41:10
